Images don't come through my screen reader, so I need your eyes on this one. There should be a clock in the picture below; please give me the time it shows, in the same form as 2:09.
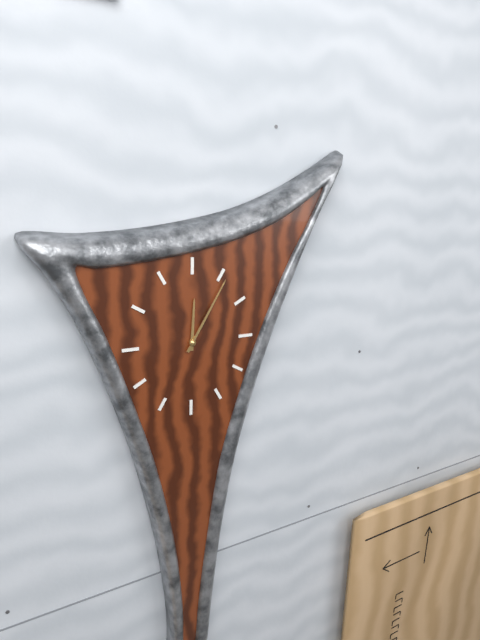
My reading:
12:05
